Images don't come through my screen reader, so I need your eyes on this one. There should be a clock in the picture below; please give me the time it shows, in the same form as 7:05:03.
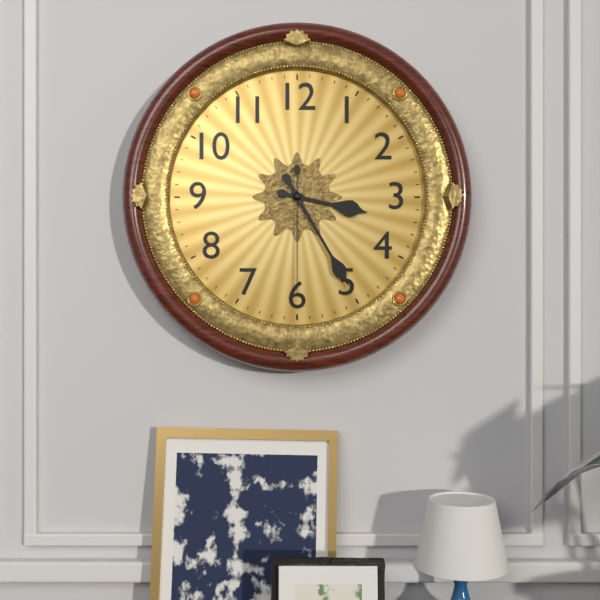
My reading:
3:25:30
